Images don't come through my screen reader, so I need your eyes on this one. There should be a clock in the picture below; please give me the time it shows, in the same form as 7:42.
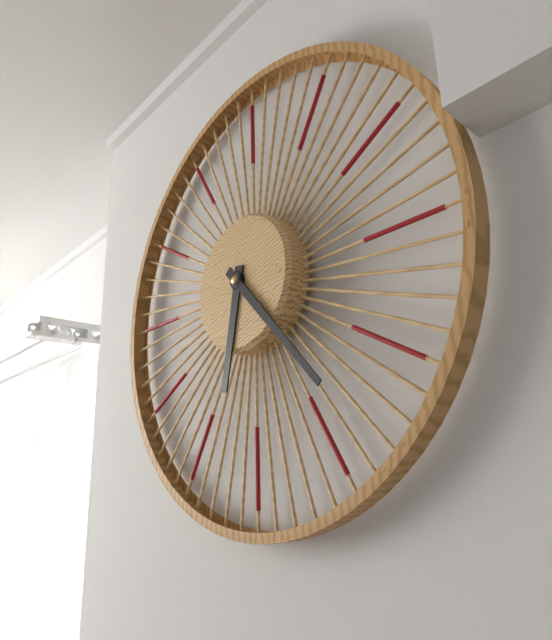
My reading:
6:23
